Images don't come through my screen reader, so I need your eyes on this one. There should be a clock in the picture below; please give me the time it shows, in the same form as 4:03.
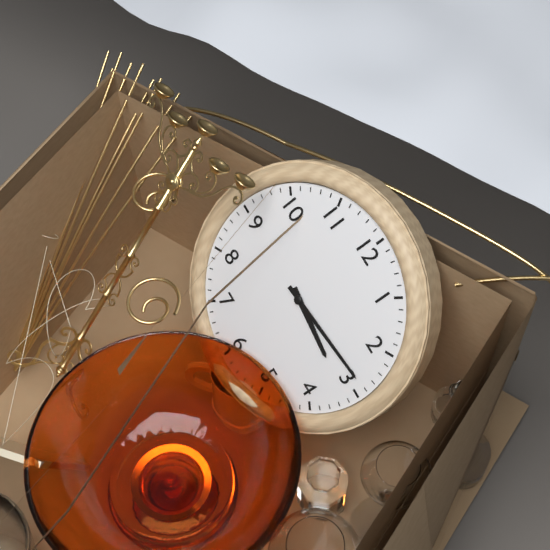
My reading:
3:14
